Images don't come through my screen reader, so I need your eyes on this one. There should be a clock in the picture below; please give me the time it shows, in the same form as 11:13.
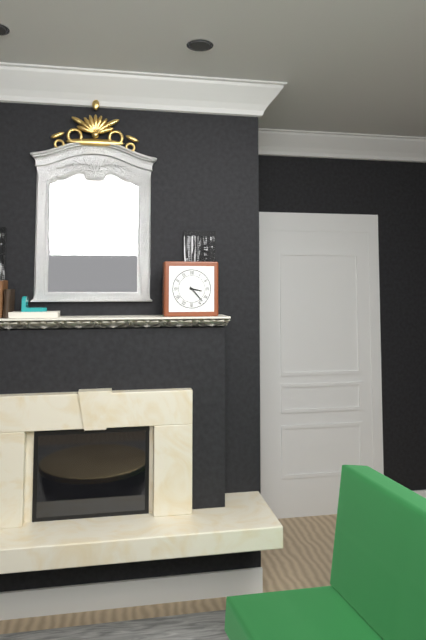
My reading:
3:23
